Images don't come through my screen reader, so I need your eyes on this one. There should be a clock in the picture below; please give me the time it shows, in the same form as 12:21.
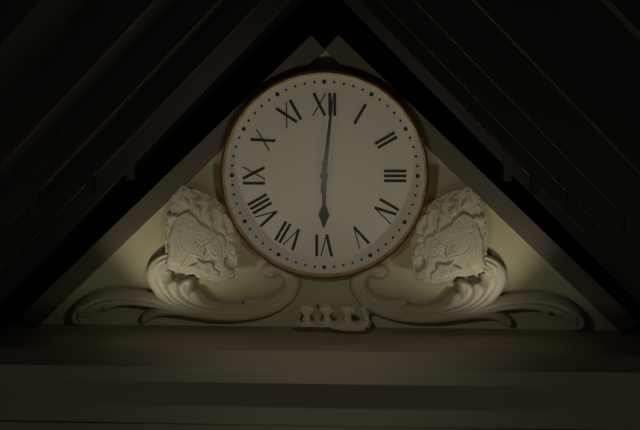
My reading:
6:01
